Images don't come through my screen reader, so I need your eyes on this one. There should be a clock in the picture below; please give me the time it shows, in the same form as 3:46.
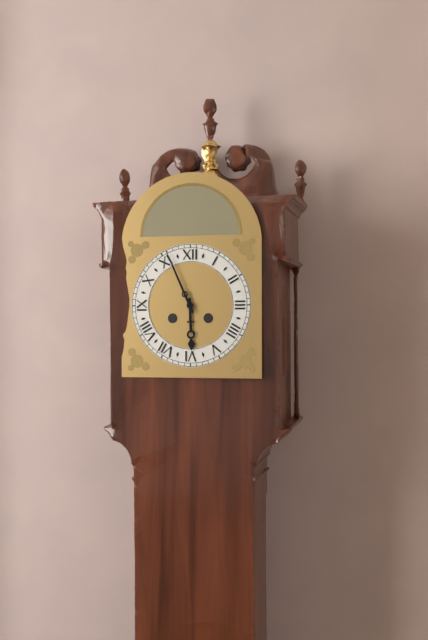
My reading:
5:56
